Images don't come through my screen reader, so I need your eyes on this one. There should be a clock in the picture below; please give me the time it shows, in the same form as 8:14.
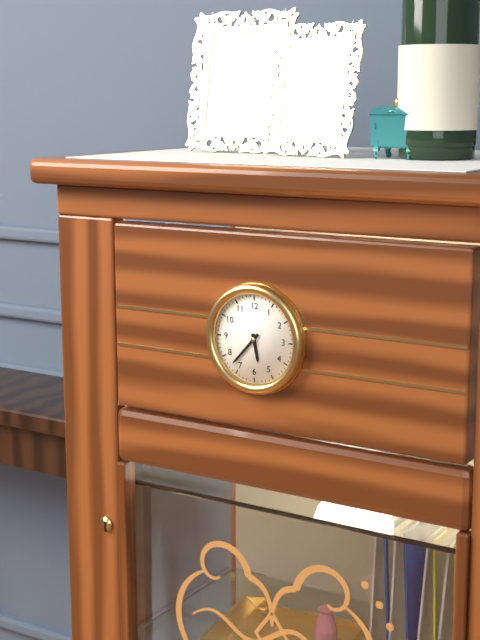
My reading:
5:37
